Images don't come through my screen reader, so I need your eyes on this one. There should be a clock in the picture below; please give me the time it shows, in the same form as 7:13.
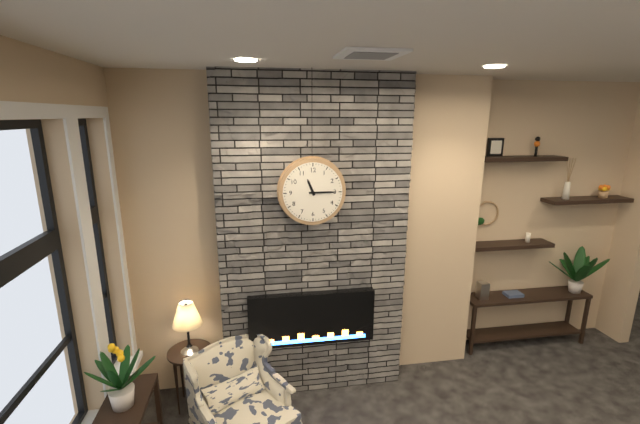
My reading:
11:15
